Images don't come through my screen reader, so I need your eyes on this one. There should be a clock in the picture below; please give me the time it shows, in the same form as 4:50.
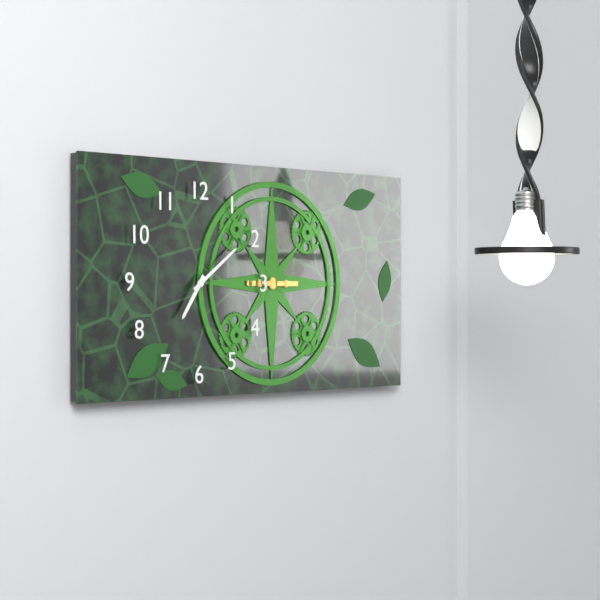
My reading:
7:09
